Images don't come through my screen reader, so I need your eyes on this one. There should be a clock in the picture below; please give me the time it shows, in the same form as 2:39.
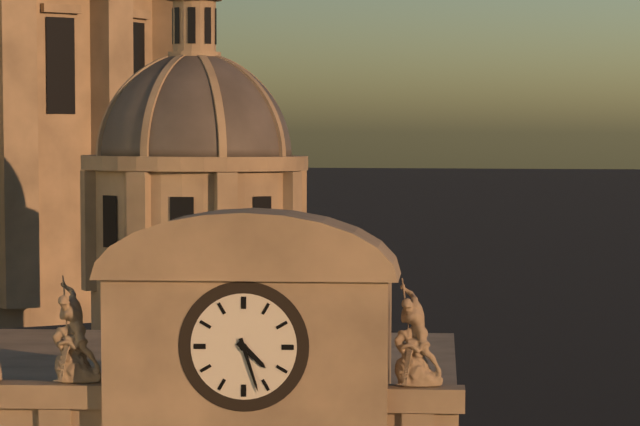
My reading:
4:27
